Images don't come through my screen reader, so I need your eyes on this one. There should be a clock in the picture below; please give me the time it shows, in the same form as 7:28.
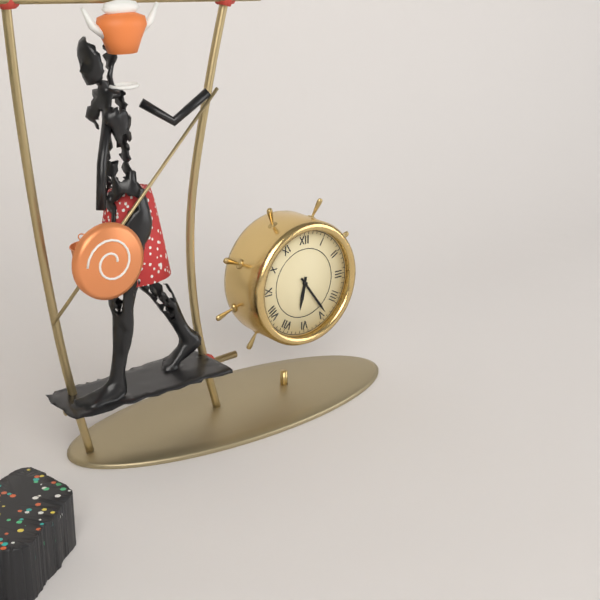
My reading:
6:24
